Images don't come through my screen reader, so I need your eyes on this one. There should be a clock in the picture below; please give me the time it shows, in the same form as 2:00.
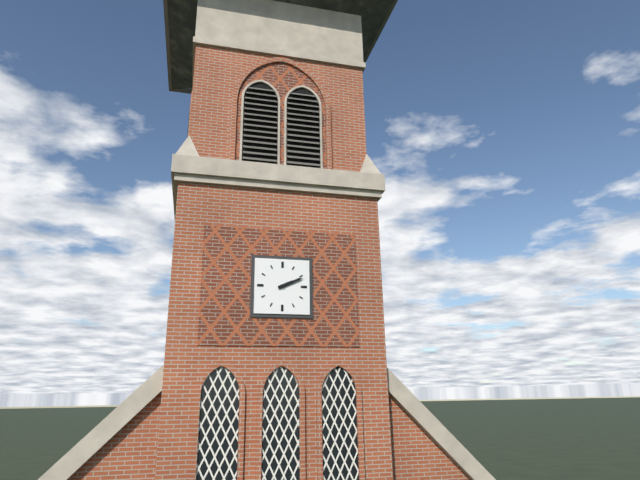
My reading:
2:11
